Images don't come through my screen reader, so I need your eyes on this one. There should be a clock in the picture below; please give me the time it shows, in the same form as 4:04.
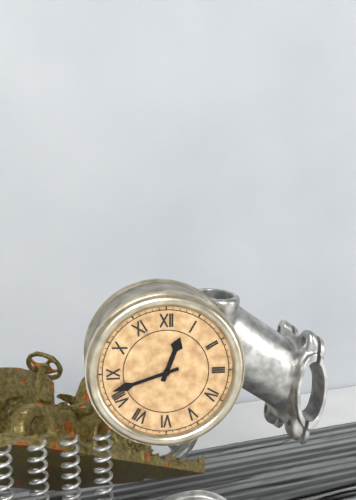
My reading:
12:42
